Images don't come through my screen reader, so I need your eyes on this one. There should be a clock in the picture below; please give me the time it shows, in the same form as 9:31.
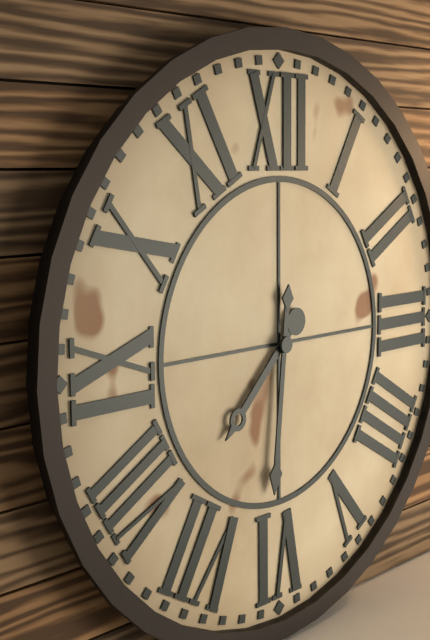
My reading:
7:31
